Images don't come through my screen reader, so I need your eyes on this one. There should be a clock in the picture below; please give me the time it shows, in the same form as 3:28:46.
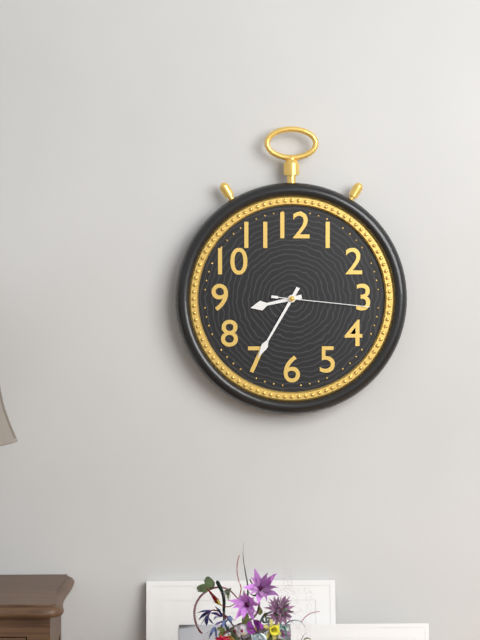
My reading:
8:35:16
